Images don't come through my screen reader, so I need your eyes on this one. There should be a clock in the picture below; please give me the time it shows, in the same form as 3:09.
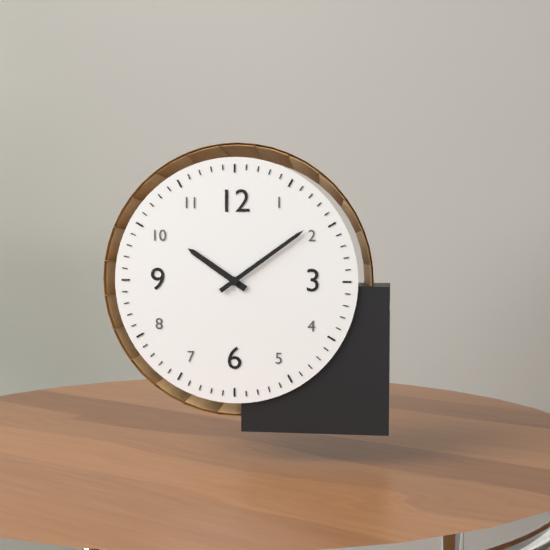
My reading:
10:09
